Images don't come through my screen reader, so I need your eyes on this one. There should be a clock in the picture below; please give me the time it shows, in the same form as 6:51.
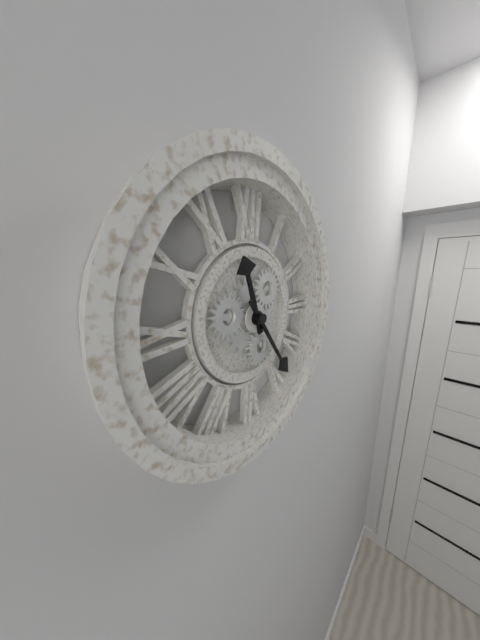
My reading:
11:24
